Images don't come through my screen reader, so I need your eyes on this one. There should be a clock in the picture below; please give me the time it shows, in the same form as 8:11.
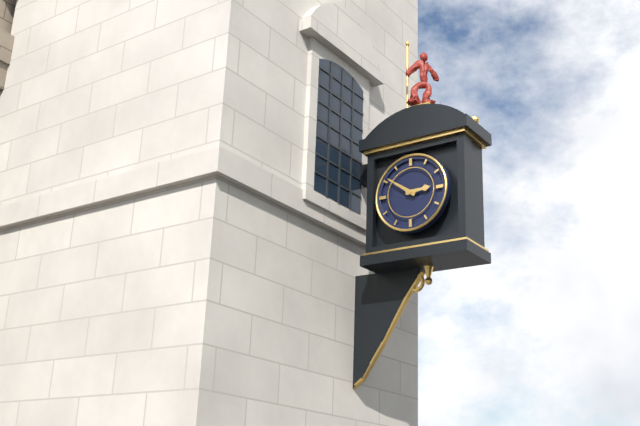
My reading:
2:51
